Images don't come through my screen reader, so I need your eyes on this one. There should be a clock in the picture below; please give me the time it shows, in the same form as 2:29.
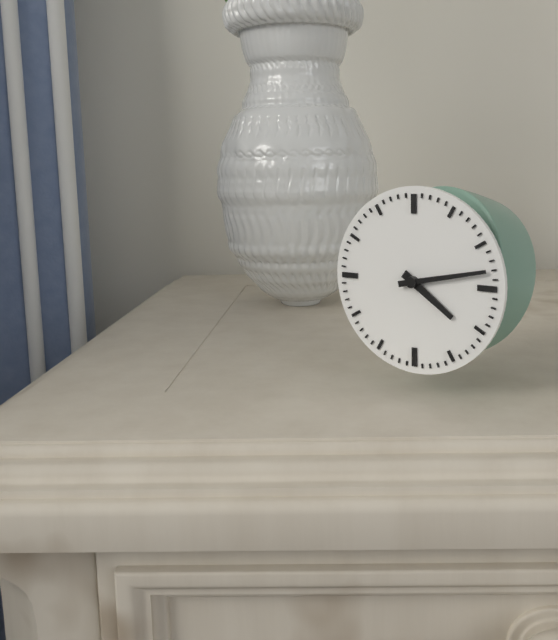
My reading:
4:13
